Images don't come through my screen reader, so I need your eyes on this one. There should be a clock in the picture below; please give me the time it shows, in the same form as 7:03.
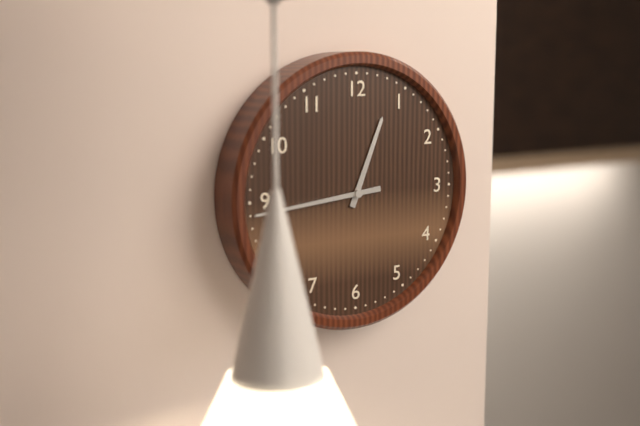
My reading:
12:44
